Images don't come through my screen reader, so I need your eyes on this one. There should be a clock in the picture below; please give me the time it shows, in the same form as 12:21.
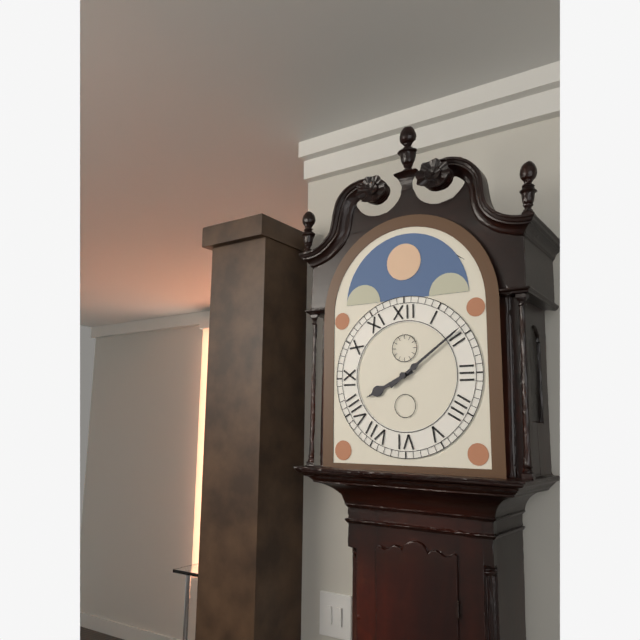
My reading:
8:09
